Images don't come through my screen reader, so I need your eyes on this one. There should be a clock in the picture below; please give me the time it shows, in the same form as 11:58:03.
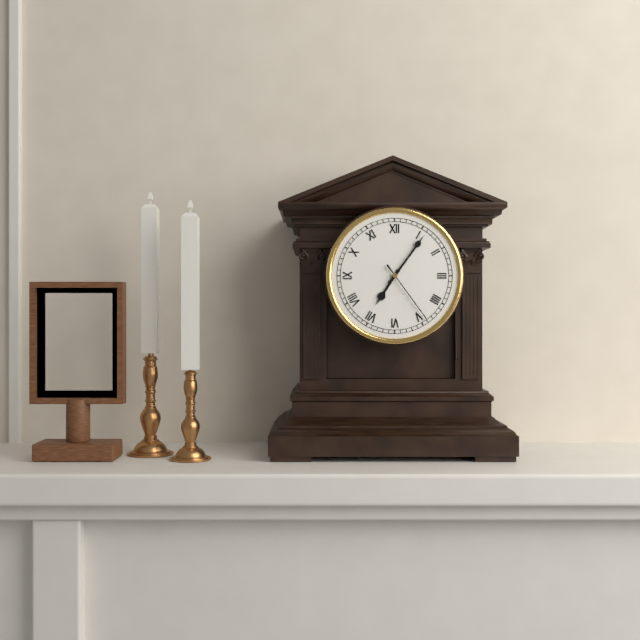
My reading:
7:06:24
